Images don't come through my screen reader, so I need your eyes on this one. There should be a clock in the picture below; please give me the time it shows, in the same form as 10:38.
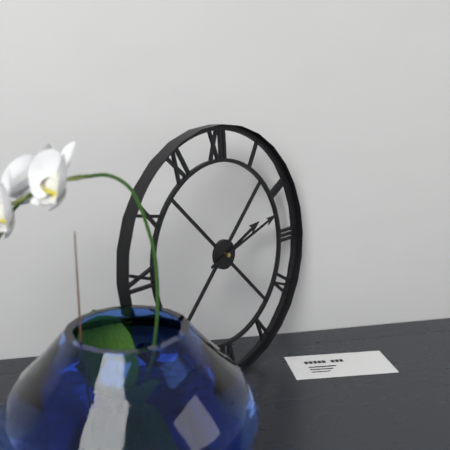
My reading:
2:12
